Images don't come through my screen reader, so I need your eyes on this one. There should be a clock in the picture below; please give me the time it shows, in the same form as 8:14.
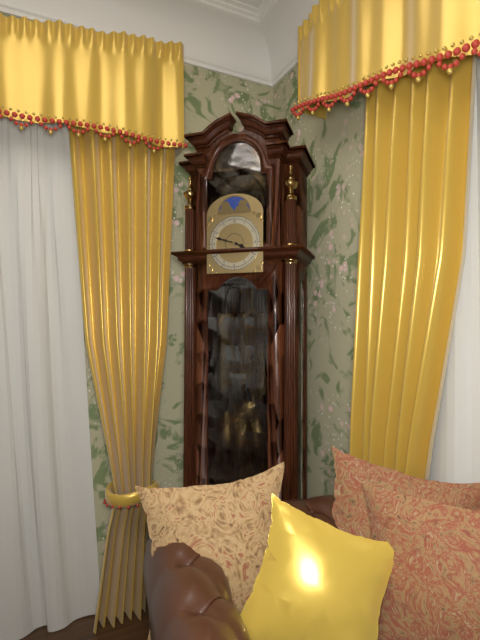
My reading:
3:48
